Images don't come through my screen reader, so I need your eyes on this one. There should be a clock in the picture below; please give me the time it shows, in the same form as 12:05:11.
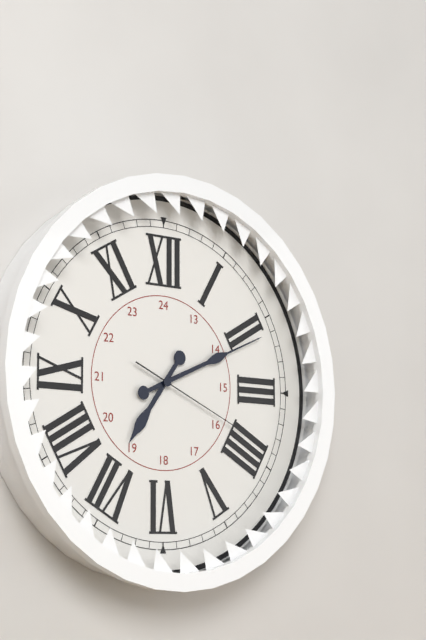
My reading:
7:11:19
